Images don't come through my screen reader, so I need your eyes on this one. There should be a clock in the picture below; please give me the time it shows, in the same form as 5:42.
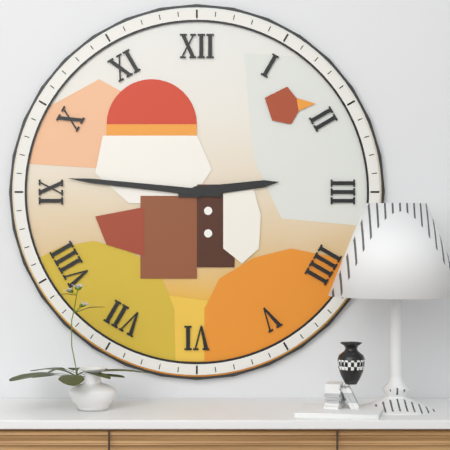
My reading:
2:46
